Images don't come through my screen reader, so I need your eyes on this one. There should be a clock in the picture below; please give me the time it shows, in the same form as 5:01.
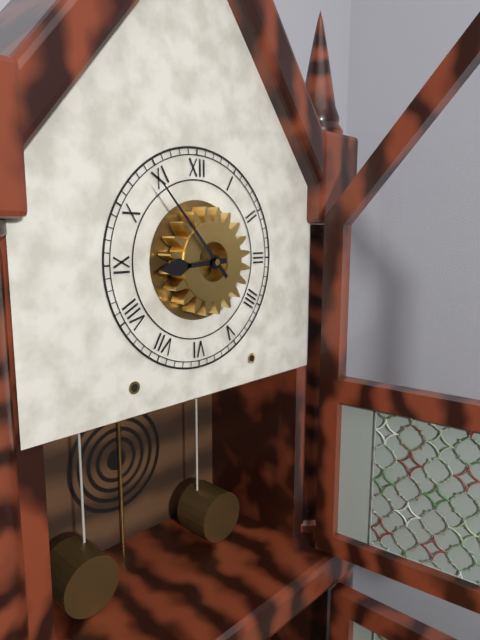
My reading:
8:53
